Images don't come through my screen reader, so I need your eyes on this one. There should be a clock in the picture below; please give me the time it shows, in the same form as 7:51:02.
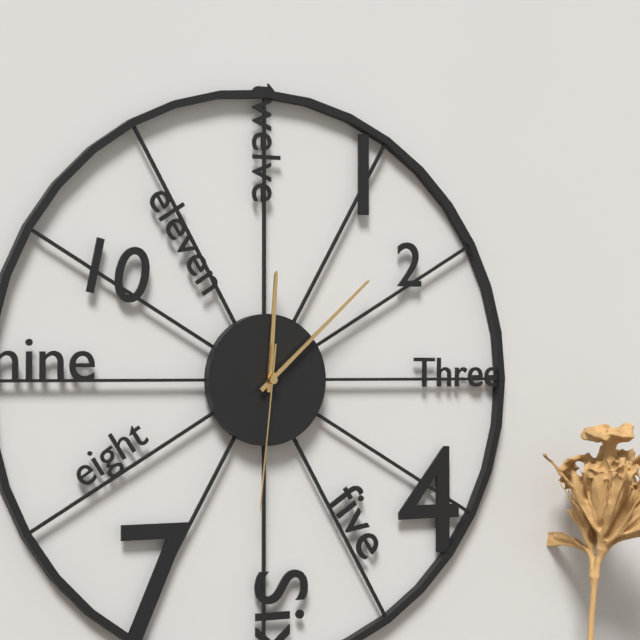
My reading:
12:08:31
